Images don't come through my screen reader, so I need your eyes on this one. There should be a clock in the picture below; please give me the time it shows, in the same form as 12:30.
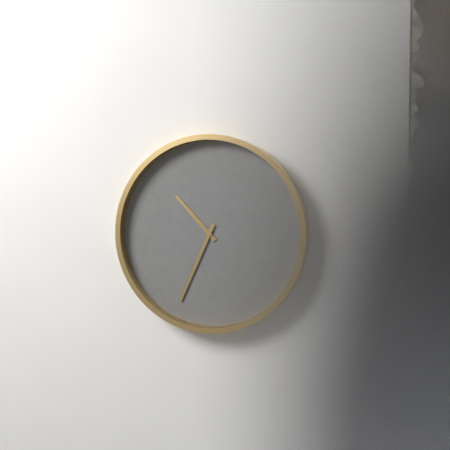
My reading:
10:34
